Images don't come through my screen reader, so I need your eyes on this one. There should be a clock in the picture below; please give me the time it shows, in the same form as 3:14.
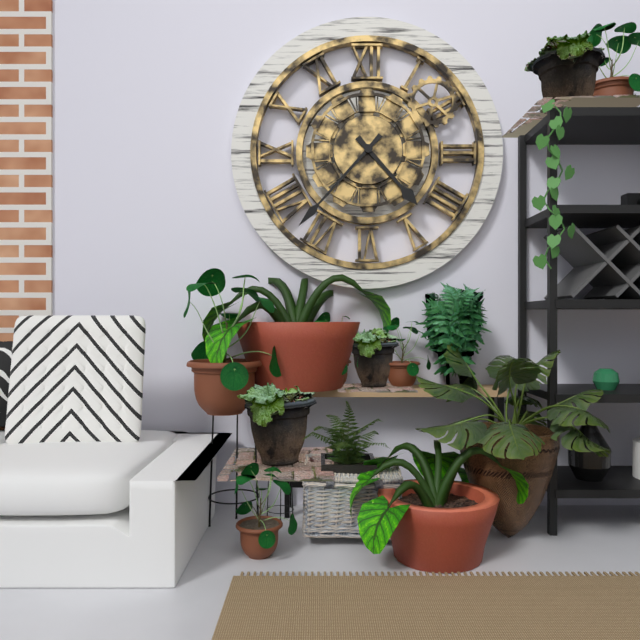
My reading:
4:37
